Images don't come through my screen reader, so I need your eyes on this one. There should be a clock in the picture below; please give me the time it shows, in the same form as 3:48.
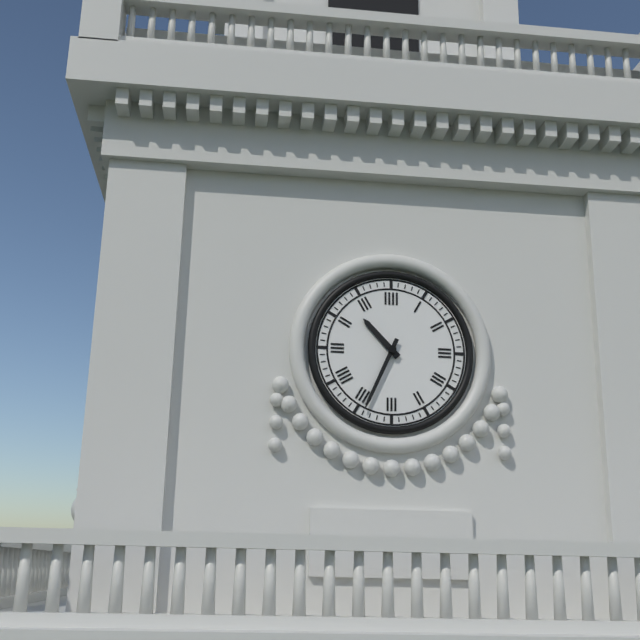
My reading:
10:34
